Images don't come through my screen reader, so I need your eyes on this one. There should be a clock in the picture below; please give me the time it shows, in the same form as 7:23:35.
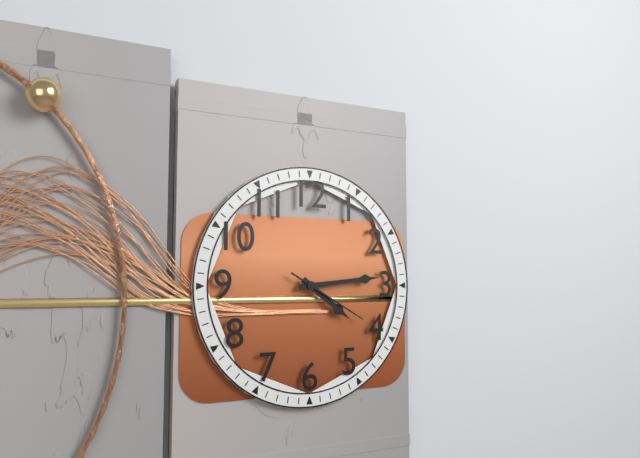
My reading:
4:14:20
